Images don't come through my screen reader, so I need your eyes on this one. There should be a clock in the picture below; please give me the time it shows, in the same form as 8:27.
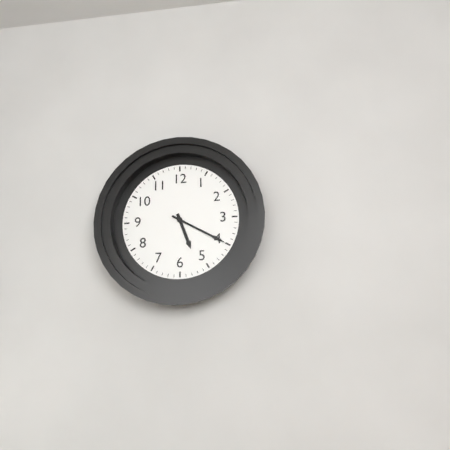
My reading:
5:20
